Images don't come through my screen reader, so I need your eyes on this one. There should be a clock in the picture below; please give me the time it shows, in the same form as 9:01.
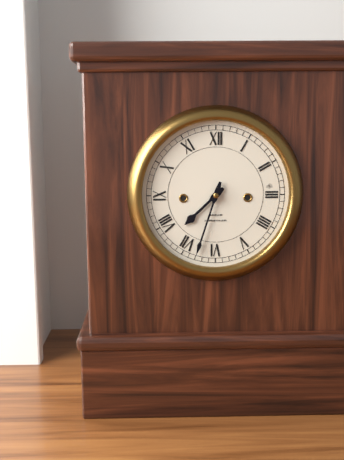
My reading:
7:33
